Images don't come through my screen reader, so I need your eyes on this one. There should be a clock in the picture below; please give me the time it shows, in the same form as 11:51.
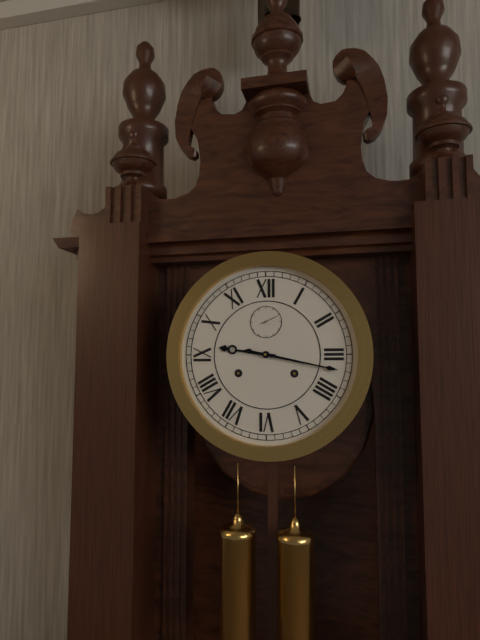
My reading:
9:17
